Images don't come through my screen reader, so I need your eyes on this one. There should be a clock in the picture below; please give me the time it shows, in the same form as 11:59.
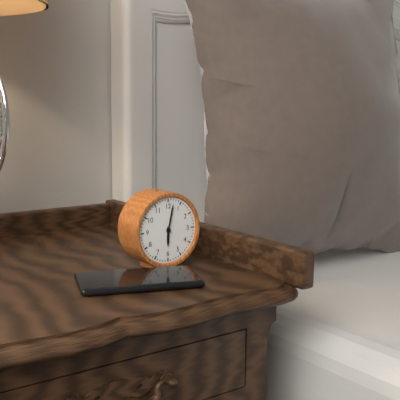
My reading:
6:02
